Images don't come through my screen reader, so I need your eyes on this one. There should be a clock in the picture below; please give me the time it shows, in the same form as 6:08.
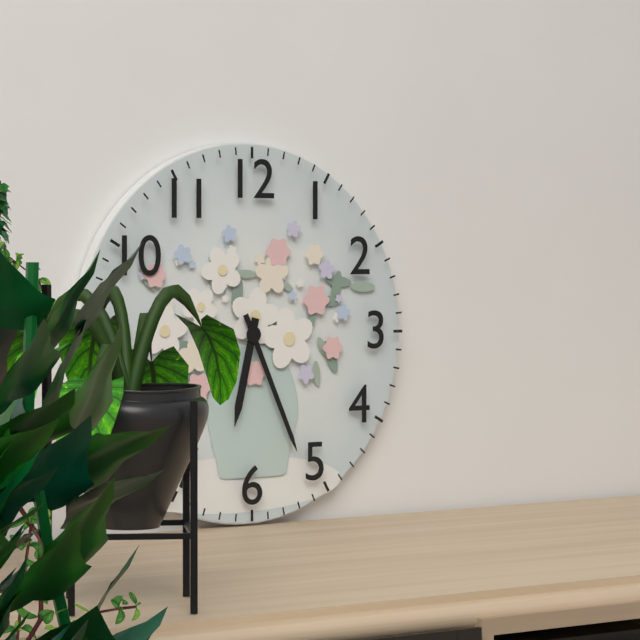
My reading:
6:26
